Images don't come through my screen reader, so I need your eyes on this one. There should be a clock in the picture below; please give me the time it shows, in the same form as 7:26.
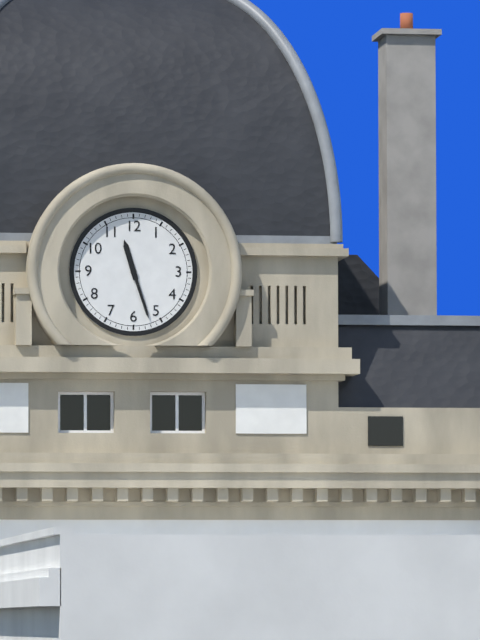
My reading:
11:27
